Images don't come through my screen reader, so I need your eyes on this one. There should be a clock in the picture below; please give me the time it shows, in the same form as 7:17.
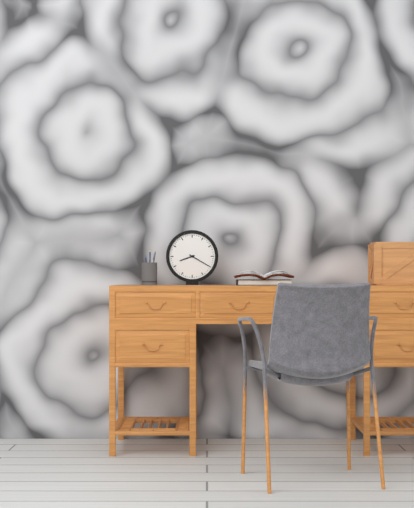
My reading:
8:20
